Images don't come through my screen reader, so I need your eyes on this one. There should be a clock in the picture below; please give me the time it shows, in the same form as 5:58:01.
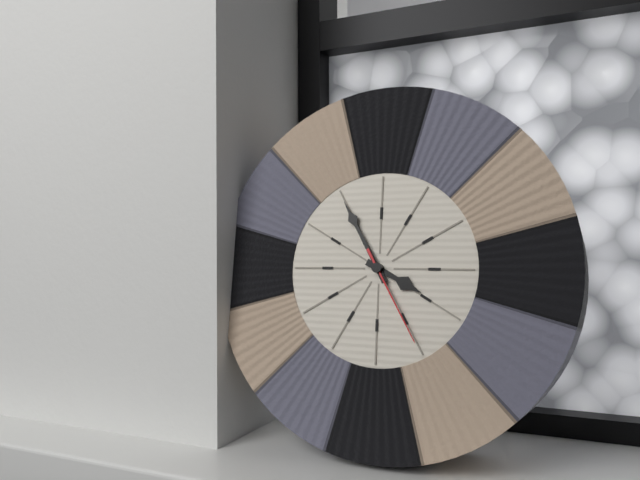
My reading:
3:55:25
